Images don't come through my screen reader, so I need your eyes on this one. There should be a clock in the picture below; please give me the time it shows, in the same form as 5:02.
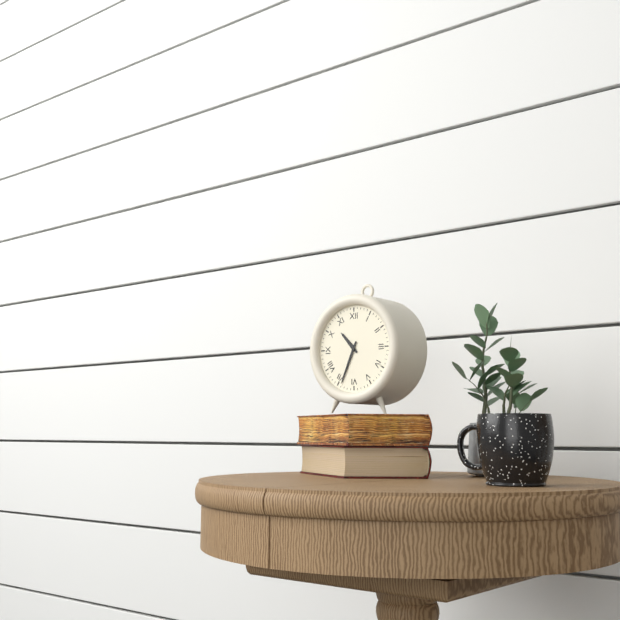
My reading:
10:34
